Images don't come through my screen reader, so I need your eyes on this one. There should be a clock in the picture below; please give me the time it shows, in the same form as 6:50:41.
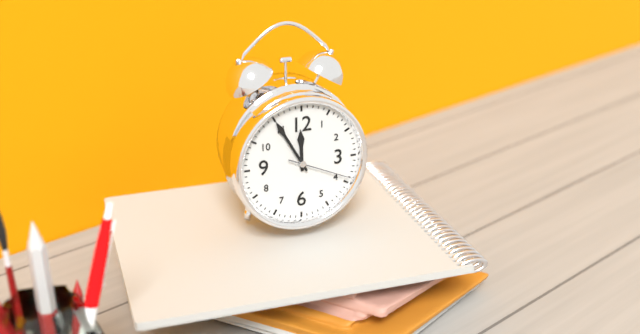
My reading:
11:55:19
